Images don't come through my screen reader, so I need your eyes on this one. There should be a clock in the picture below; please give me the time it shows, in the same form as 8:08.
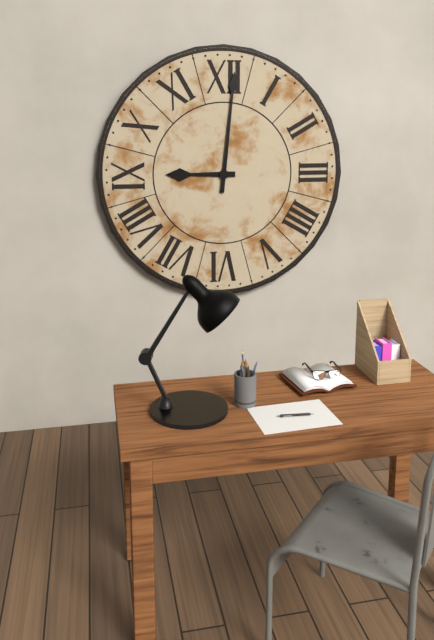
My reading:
9:01
